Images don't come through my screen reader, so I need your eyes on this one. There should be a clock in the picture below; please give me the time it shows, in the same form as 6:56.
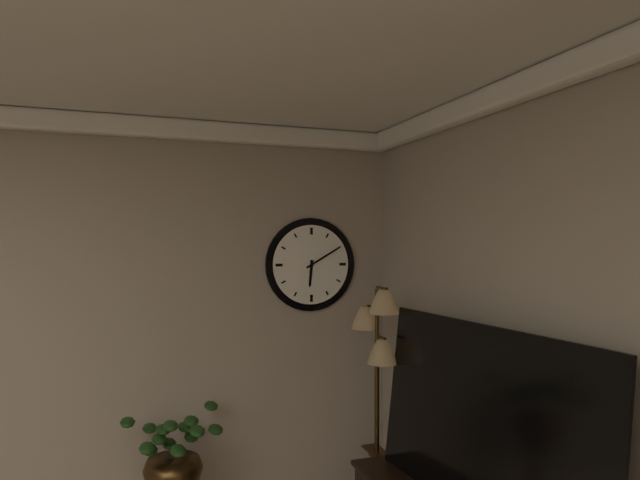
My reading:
6:10
